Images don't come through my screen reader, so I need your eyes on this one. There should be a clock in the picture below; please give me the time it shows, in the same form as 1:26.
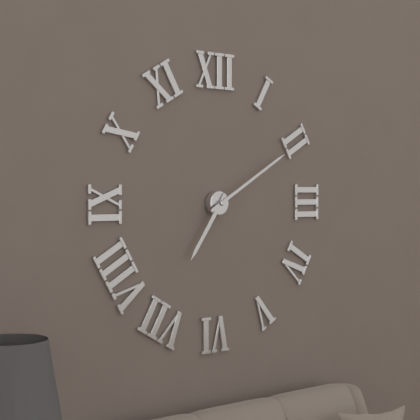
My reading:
7:10
